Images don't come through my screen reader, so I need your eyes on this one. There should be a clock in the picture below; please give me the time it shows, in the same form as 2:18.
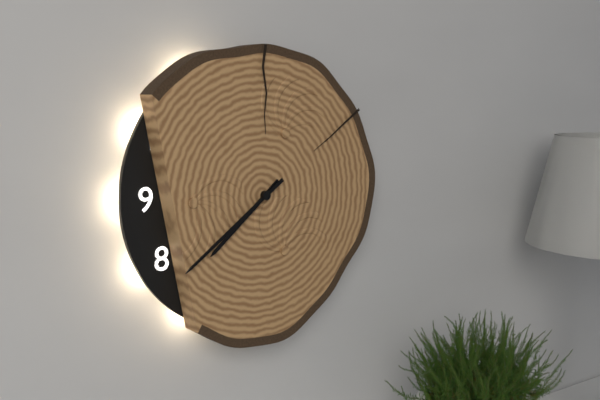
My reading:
7:39
